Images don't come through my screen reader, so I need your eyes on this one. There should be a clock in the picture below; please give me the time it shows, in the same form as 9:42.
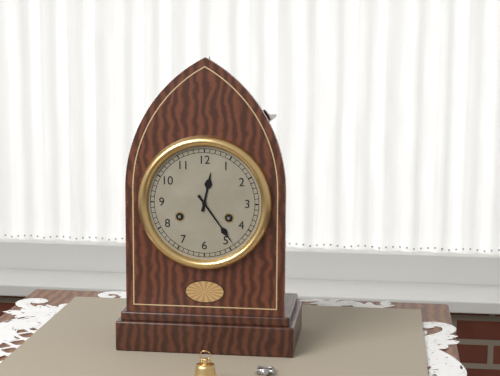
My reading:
12:24
